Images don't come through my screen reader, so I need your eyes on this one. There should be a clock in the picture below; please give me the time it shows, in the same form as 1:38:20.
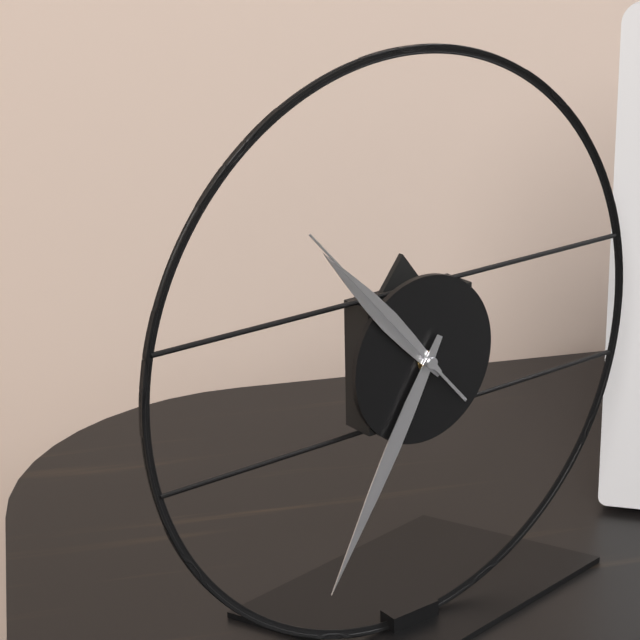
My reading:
10:35:53
